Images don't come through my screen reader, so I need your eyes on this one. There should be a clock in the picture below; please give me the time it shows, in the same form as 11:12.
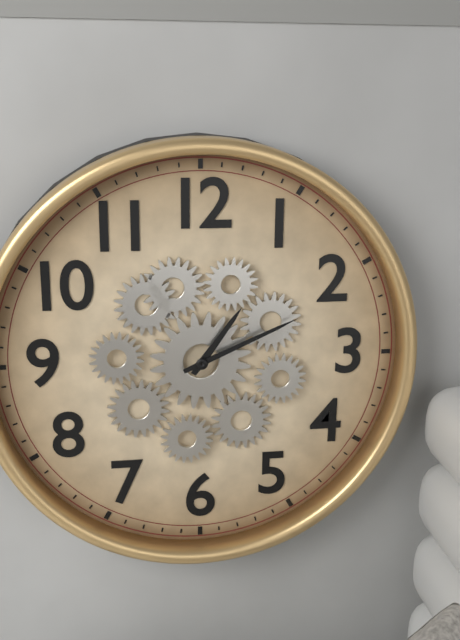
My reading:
1:11
